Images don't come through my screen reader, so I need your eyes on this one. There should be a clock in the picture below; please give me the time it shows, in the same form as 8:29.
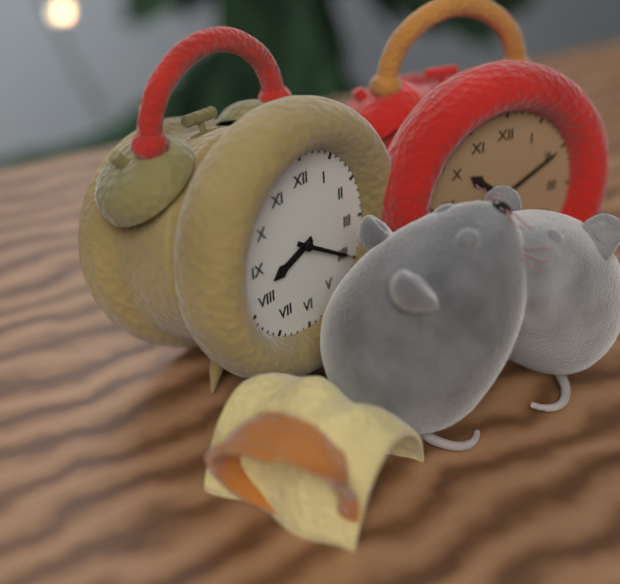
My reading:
8:20
